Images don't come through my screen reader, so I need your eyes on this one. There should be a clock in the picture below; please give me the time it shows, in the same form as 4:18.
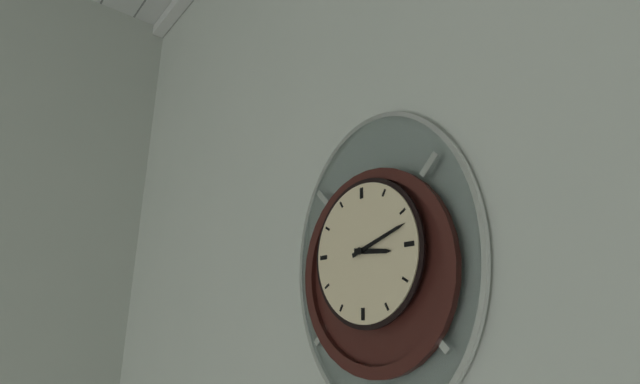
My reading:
3:12
